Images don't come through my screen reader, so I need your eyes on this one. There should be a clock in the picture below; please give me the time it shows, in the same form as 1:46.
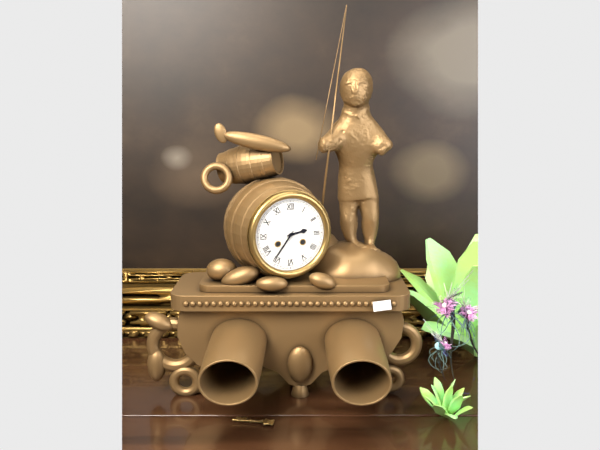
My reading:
2:36
